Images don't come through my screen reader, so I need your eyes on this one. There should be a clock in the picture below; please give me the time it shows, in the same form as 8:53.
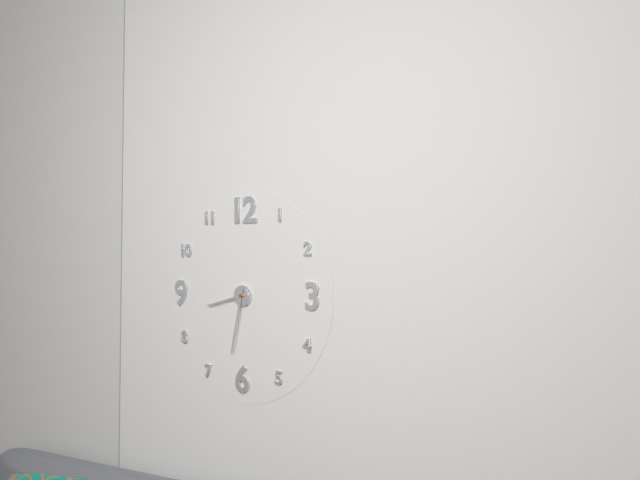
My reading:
8:32
